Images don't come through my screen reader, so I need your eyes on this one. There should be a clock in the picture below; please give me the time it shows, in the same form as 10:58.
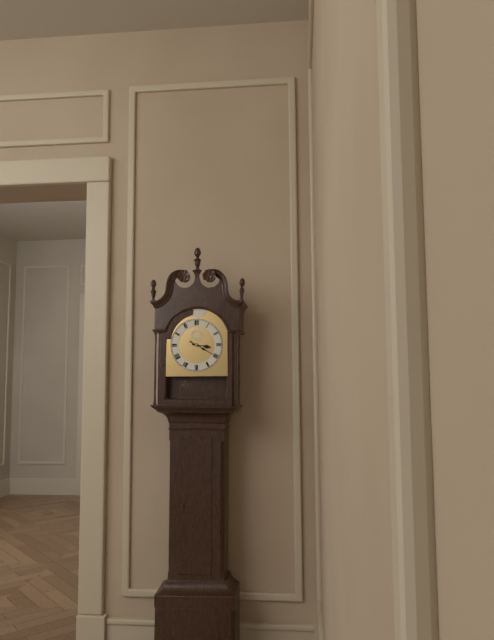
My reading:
3:20
